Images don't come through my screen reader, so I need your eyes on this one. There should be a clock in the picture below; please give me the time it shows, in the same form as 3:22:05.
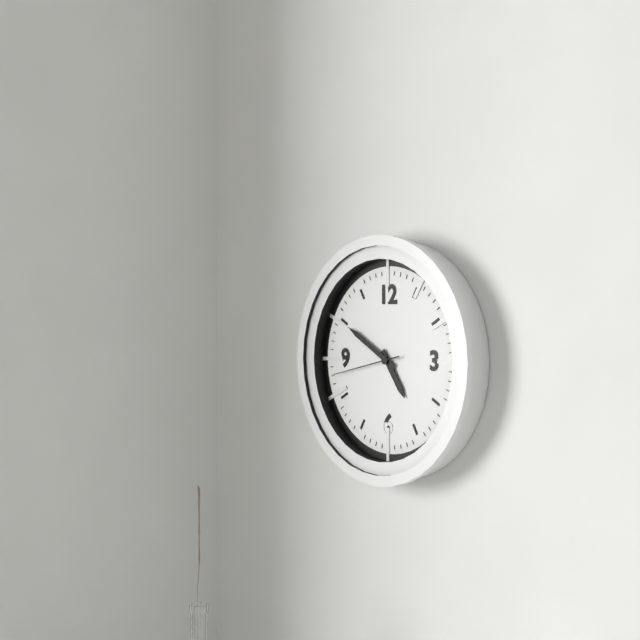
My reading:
4:50:43
